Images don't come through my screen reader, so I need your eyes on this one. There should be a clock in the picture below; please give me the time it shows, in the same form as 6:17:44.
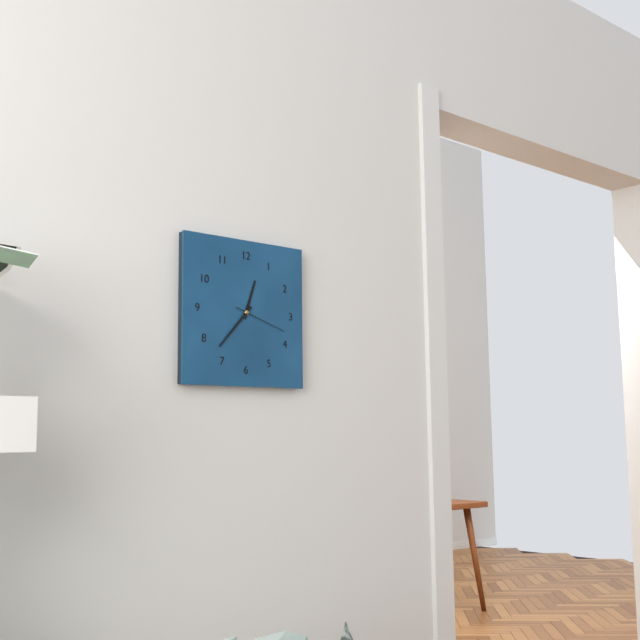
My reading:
12:37:18
